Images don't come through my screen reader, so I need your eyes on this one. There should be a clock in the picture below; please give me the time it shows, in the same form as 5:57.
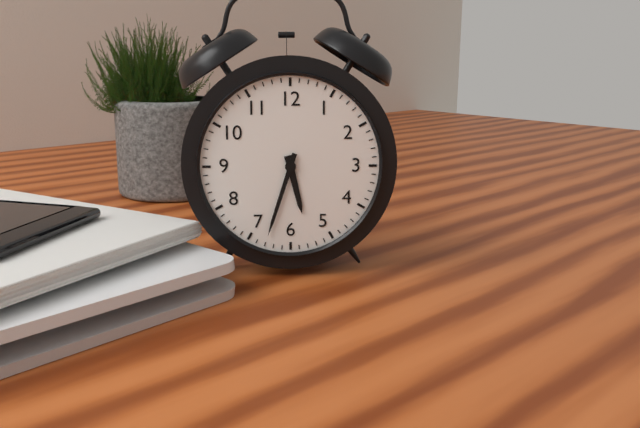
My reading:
5:33
